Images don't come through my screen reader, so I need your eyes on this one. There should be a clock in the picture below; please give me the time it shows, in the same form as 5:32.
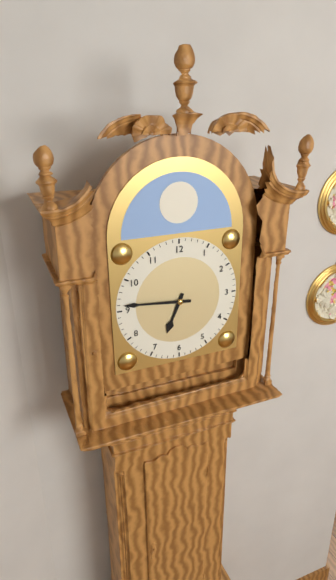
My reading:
6:46
